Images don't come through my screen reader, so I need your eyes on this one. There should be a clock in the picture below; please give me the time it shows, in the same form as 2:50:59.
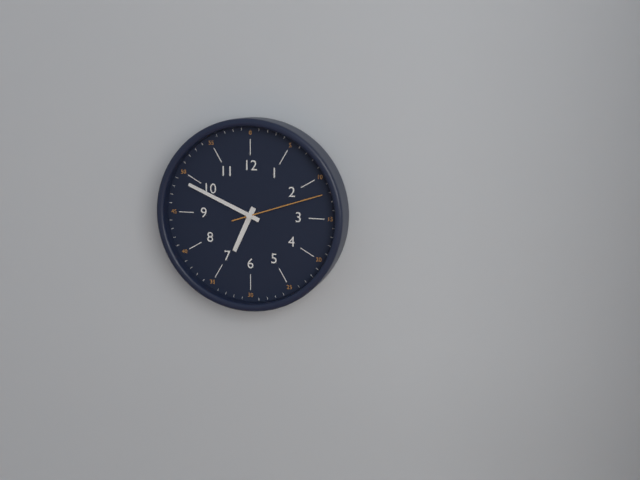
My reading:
6:49:12
